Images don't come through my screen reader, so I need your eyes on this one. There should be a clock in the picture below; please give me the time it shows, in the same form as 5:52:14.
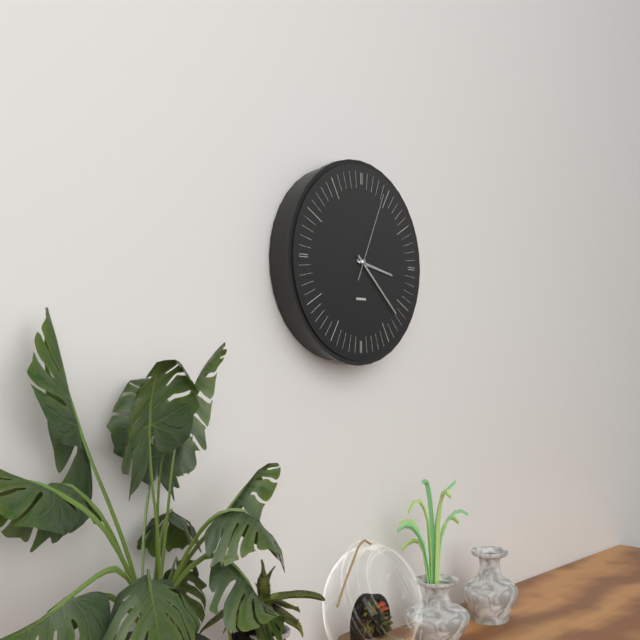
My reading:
3:22:04
